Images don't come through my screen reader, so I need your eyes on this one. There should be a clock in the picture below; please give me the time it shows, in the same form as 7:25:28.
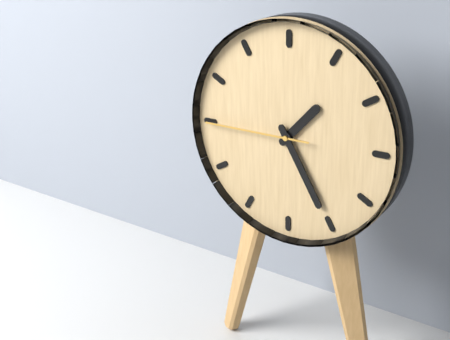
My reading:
1:25:45
